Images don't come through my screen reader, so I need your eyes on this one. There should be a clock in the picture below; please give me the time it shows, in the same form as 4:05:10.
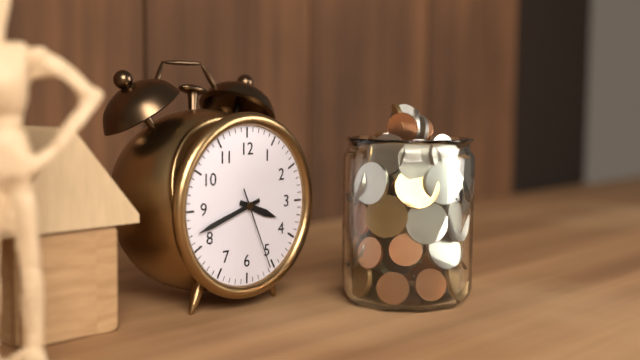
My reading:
3:42:26
